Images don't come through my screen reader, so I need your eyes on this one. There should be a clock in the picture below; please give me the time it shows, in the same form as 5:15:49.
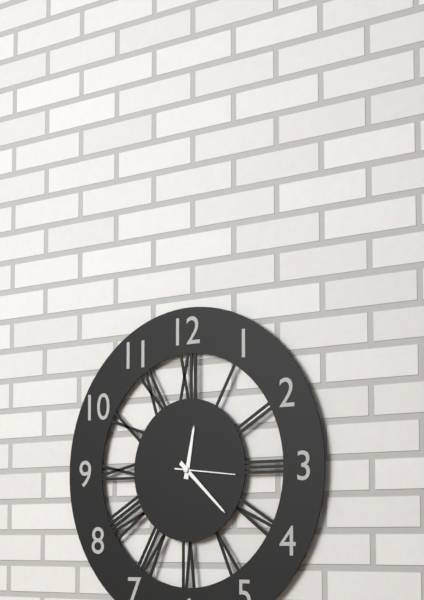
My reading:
12:22:16
